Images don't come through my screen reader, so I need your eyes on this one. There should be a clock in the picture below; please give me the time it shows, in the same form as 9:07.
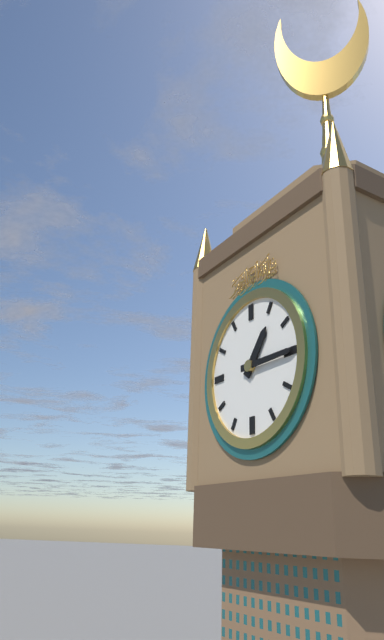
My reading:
1:15
